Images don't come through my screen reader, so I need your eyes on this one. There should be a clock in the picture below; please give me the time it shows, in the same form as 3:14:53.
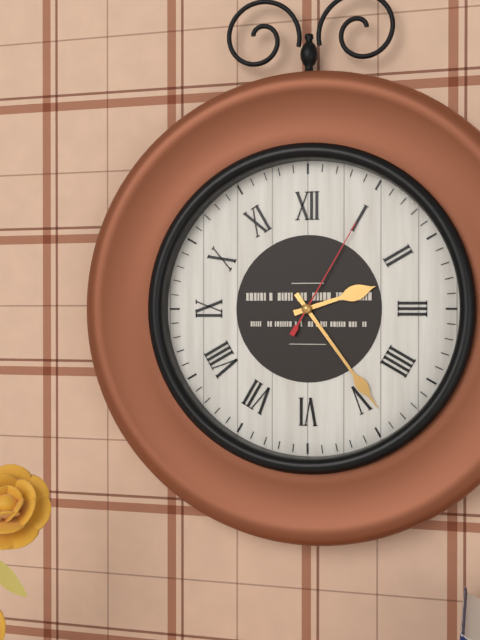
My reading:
2:24:05
